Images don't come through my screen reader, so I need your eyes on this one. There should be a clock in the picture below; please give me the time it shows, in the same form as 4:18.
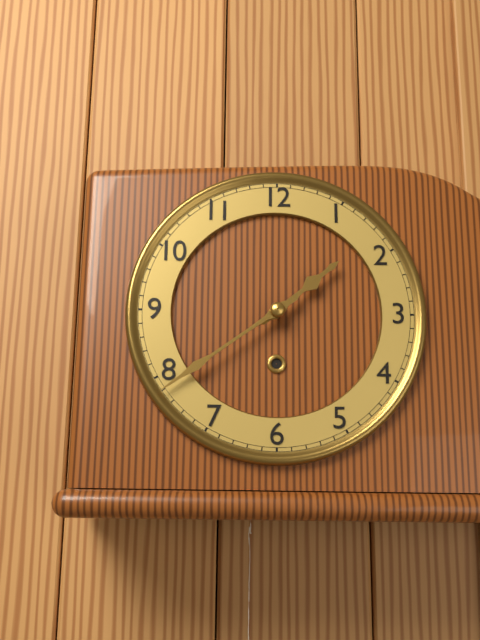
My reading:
1:39
